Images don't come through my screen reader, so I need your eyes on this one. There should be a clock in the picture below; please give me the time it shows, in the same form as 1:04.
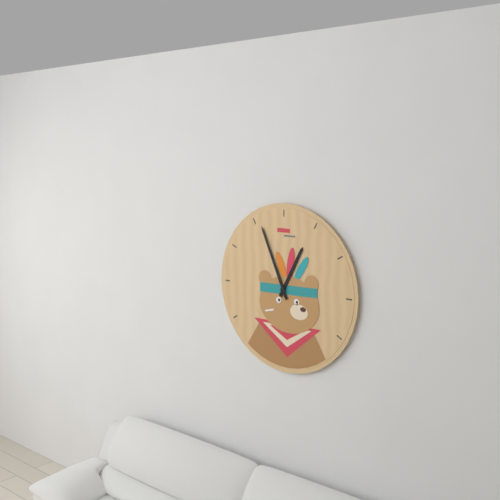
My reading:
12:56
